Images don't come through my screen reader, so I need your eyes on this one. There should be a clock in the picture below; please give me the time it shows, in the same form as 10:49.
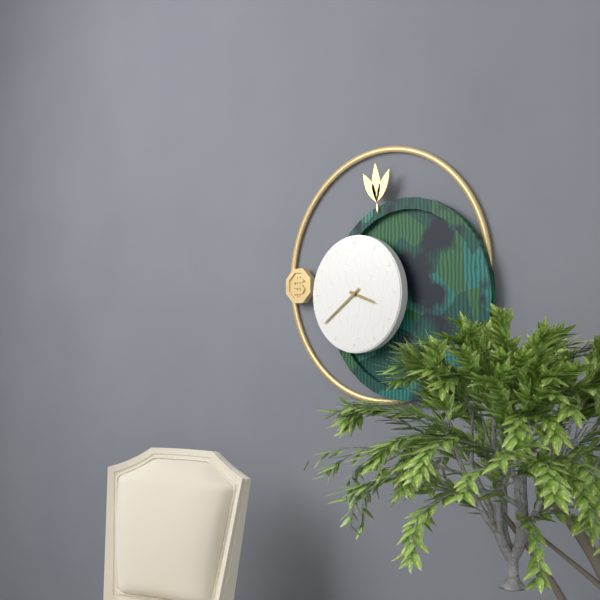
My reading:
3:39
